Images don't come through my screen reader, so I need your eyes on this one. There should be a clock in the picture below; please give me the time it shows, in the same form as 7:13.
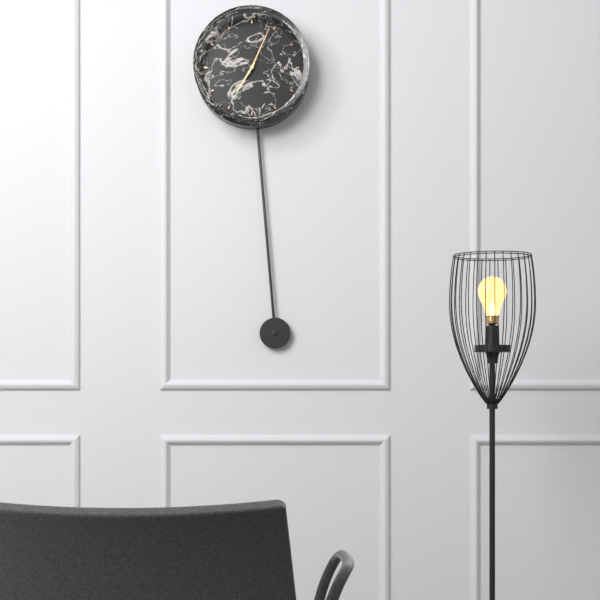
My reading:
7:04
